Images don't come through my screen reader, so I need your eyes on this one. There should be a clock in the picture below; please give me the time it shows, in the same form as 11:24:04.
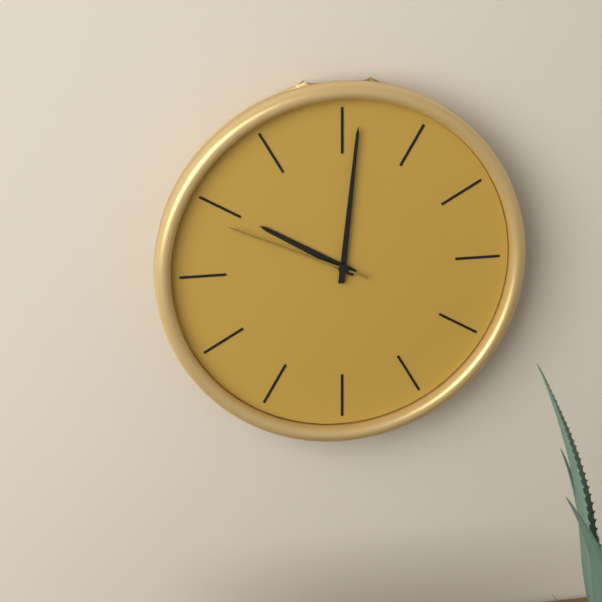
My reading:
10:01:49
